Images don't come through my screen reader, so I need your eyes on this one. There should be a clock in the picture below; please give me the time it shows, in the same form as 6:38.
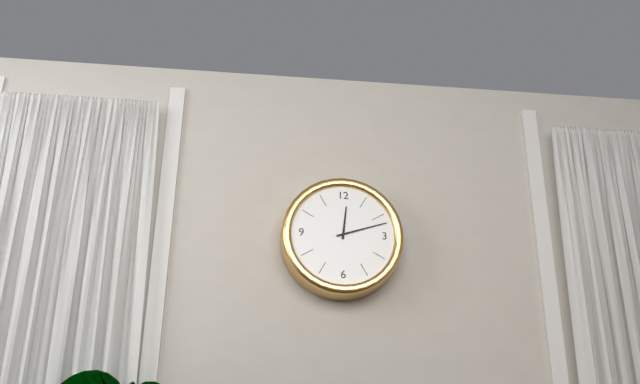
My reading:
12:12
